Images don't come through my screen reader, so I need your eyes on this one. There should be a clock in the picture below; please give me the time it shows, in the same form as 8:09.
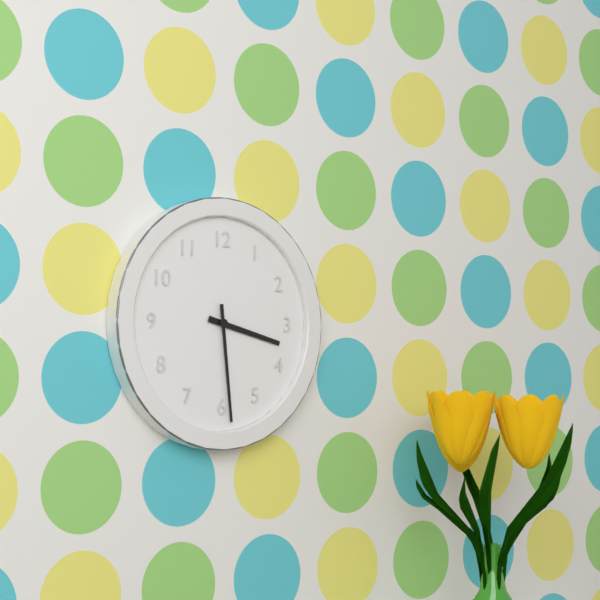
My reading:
3:29
